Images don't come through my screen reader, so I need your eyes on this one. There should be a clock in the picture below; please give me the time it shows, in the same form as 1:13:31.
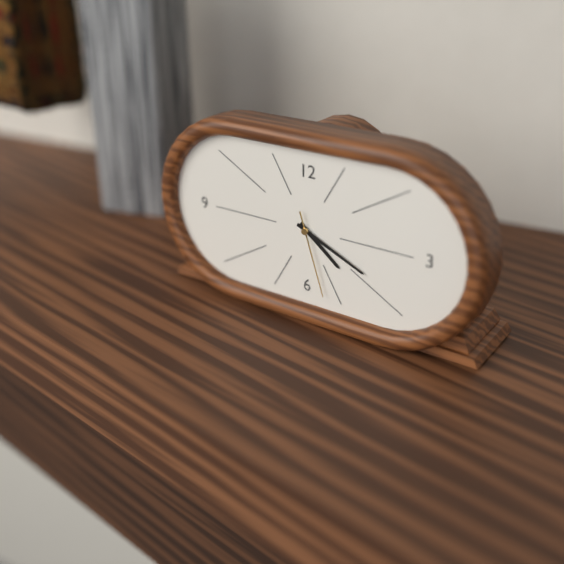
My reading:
4:19:27
